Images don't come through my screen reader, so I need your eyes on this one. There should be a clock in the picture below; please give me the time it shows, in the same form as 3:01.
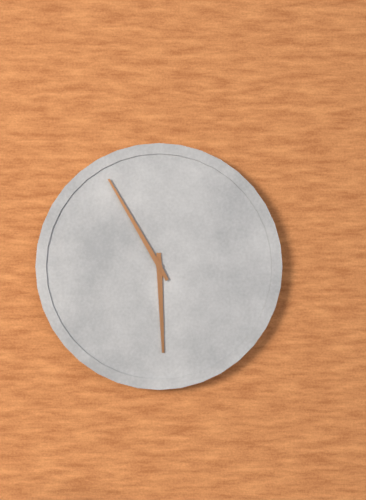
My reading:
5:55
